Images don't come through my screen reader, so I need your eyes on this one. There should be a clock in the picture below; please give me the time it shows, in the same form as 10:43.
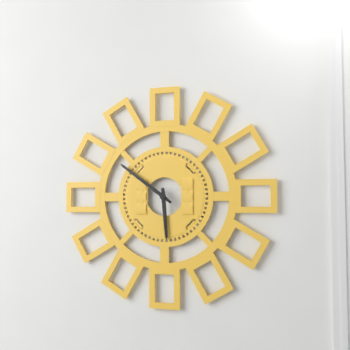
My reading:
5:51
